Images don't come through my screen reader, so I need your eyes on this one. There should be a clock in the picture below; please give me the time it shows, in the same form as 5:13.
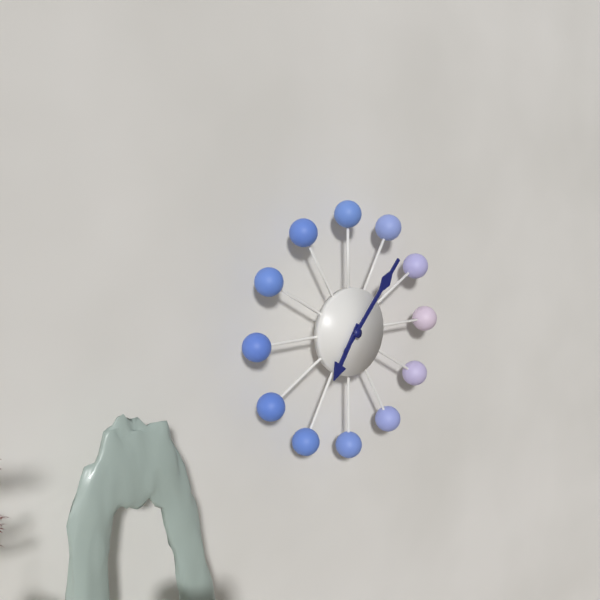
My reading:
7:07
